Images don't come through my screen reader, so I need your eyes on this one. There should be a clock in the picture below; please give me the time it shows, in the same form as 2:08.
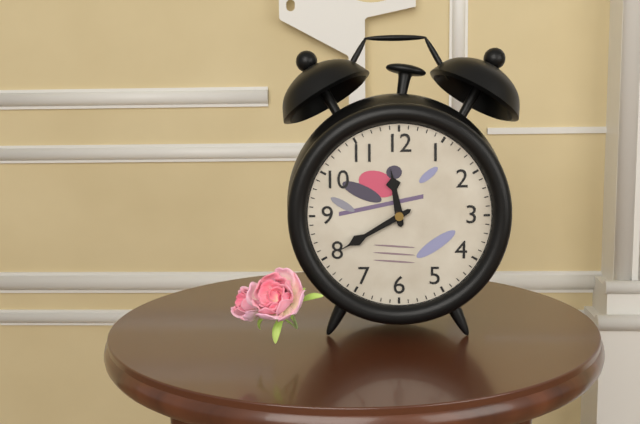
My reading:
11:40
